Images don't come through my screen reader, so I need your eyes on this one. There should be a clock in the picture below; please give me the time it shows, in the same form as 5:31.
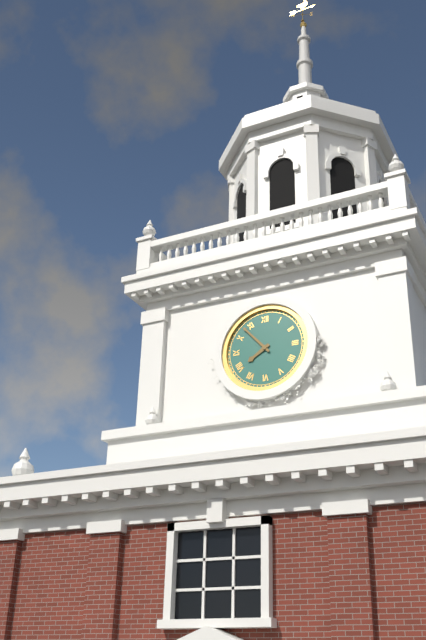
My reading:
7:53
